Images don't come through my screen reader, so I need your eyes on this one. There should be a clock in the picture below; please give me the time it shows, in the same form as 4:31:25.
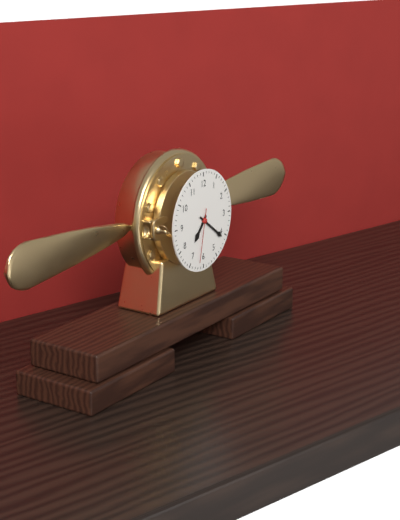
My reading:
7:21:32
